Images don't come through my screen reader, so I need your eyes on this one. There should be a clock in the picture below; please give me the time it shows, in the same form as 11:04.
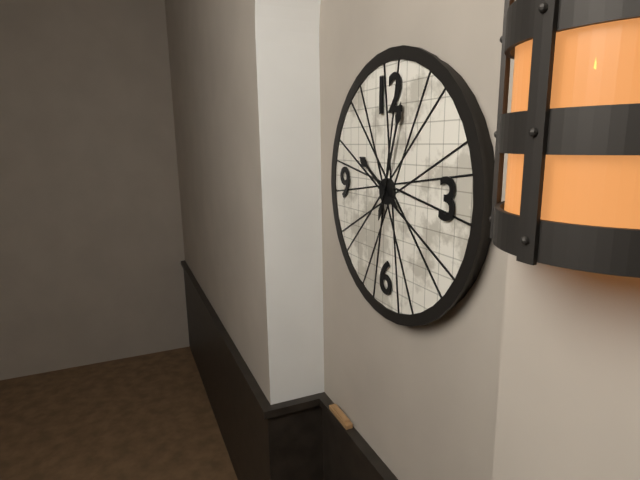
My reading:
10:03
